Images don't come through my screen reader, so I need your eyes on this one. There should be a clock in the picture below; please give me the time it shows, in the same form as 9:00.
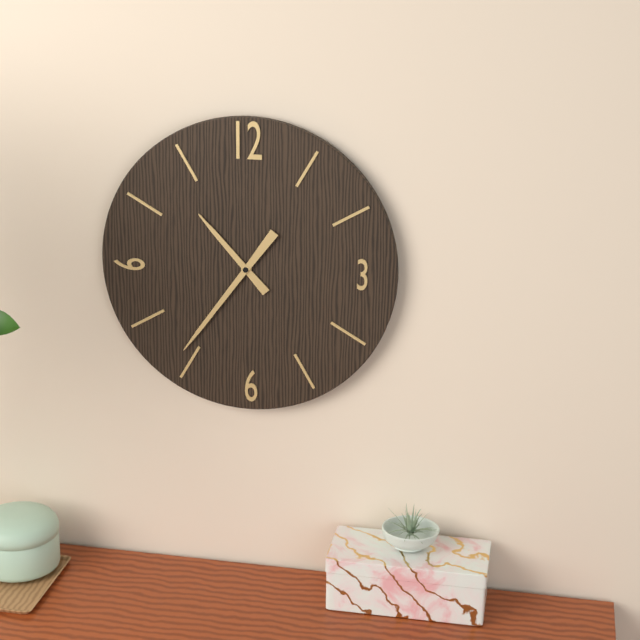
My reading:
10:36
